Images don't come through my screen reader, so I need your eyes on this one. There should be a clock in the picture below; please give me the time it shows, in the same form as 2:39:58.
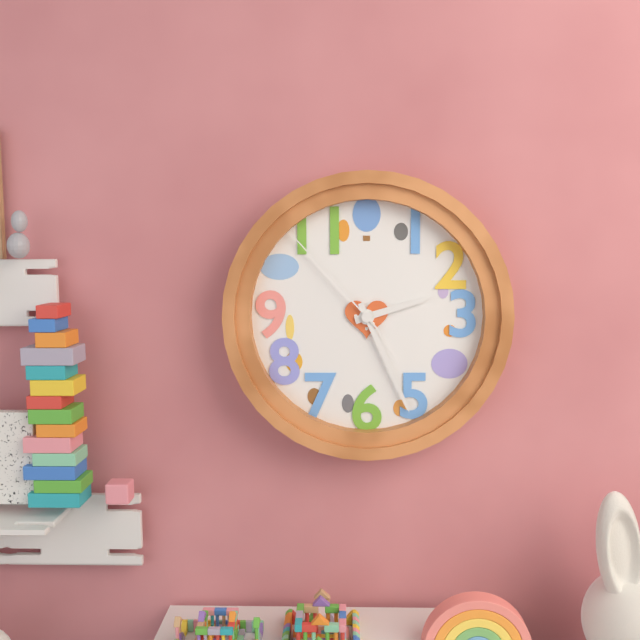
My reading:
2:26:53
